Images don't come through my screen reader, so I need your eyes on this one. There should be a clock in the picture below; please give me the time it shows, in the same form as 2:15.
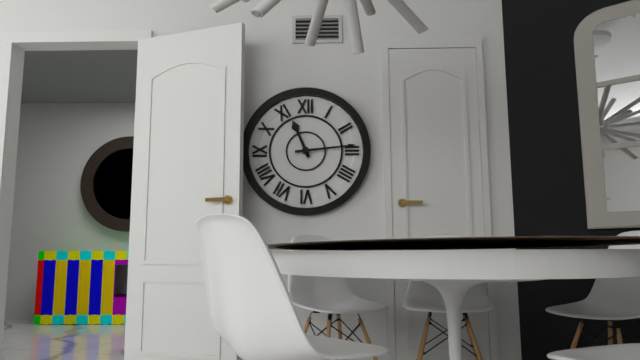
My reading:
11:14
